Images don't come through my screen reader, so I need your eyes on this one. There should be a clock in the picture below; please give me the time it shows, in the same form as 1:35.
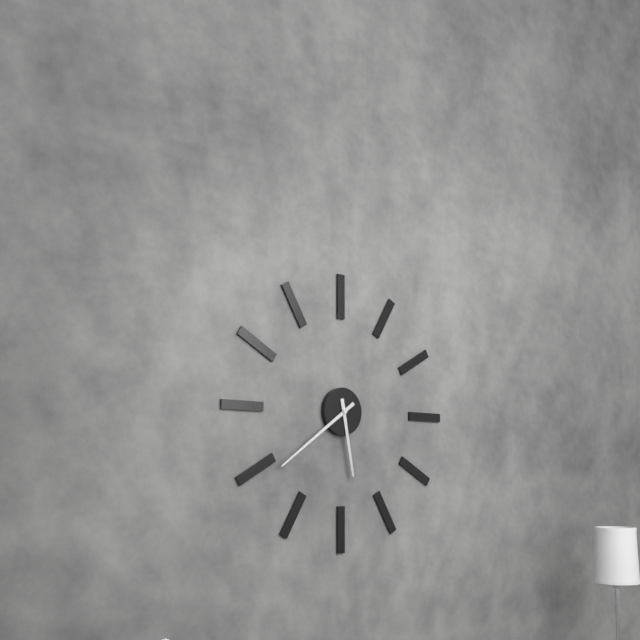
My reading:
5:39
